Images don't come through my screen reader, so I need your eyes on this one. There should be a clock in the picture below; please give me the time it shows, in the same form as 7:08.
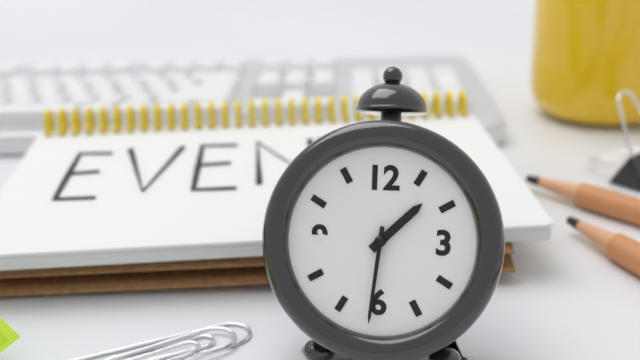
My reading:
1:31
